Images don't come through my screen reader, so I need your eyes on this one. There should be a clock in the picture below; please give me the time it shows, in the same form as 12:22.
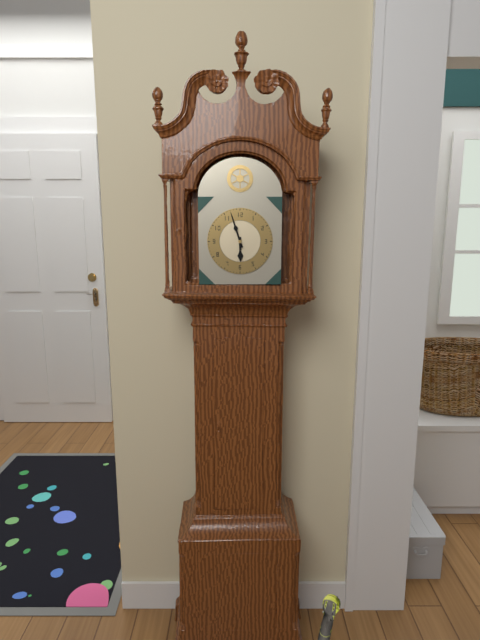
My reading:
5:57
